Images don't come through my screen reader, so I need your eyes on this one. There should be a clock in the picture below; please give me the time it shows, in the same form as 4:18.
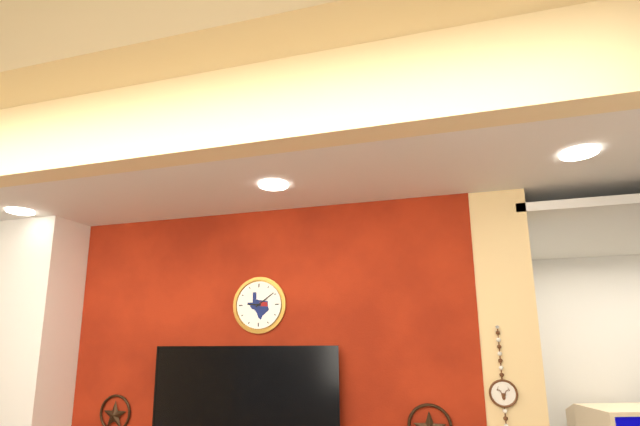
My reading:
9:09
